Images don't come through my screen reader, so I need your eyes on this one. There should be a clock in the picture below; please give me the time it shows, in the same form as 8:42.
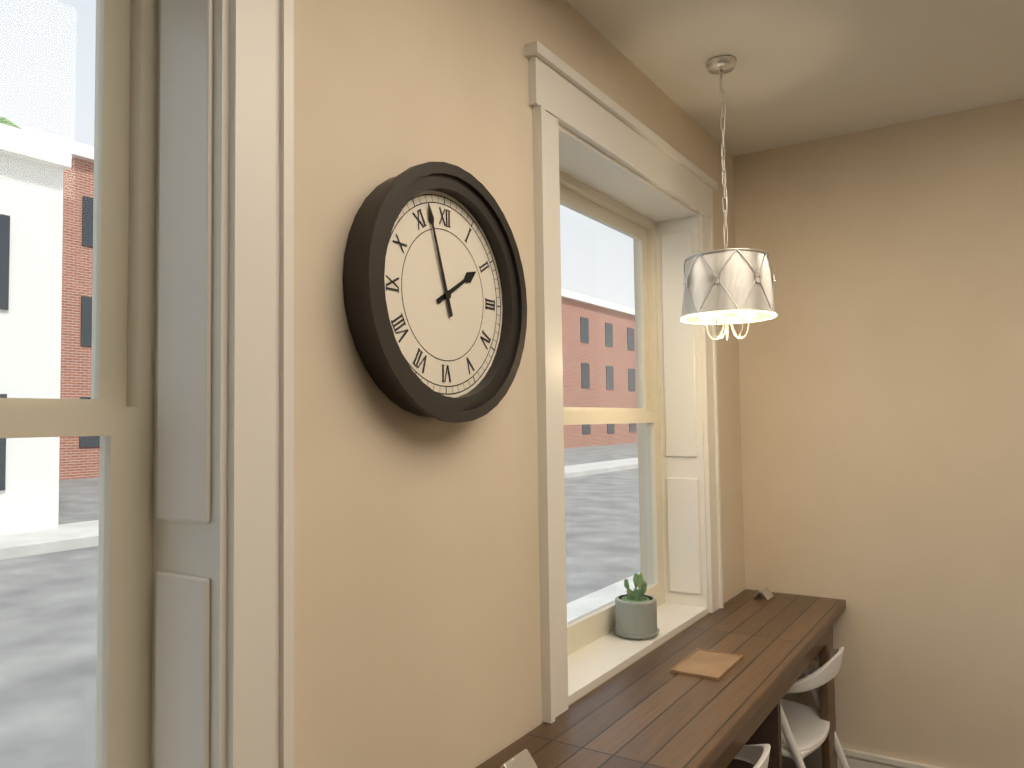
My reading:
1:57
